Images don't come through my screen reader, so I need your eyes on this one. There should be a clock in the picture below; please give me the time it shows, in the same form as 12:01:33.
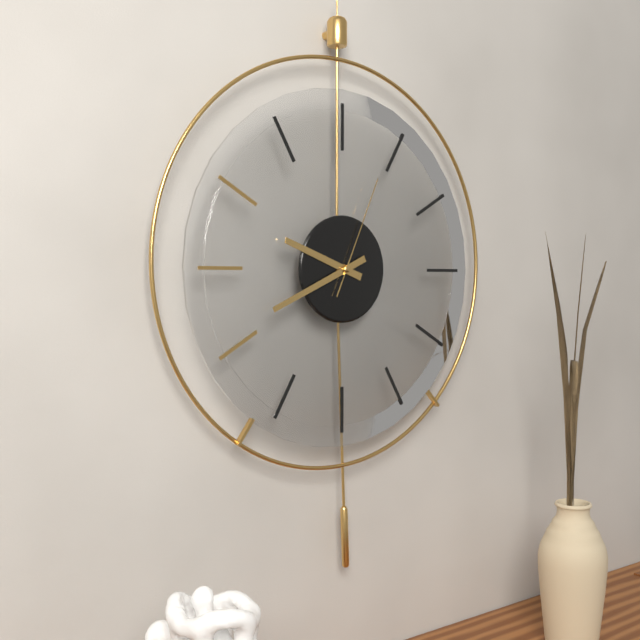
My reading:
9:41:04
